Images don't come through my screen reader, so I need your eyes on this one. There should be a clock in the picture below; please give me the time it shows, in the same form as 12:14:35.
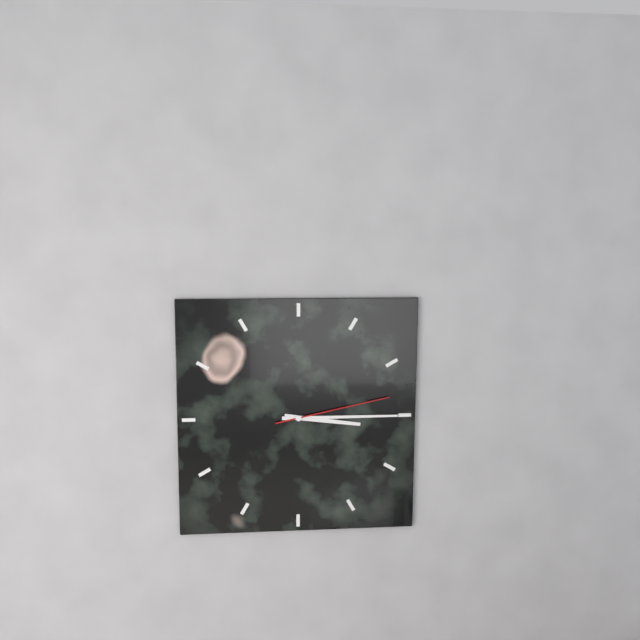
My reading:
3:15:13
